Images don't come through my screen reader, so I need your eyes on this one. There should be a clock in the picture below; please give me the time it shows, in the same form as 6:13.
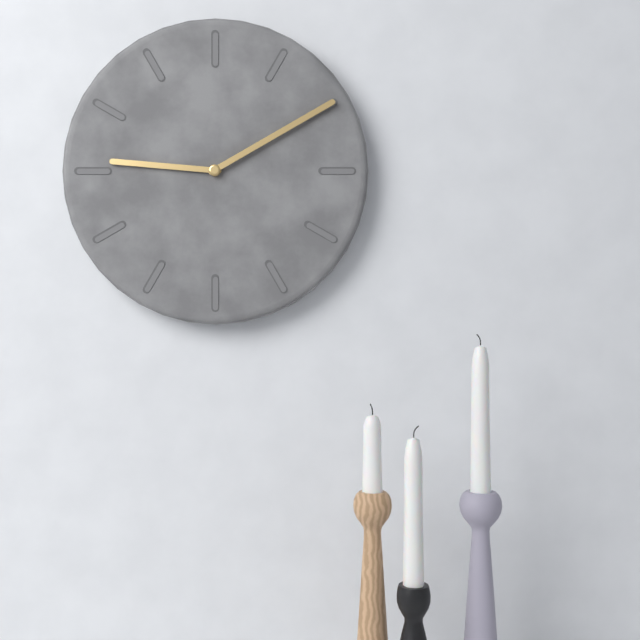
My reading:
9:10
